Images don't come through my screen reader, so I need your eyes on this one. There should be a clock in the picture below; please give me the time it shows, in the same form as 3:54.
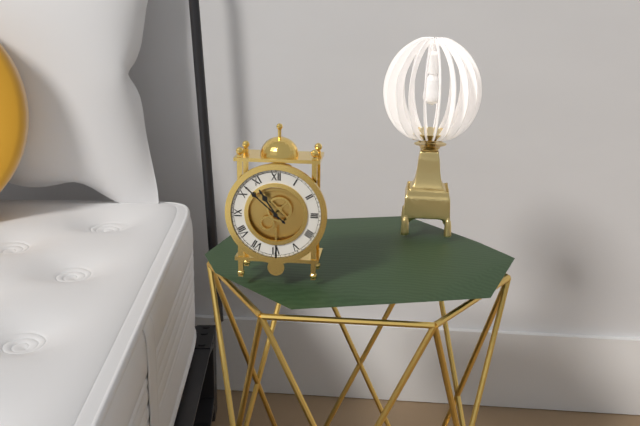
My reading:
10:52
